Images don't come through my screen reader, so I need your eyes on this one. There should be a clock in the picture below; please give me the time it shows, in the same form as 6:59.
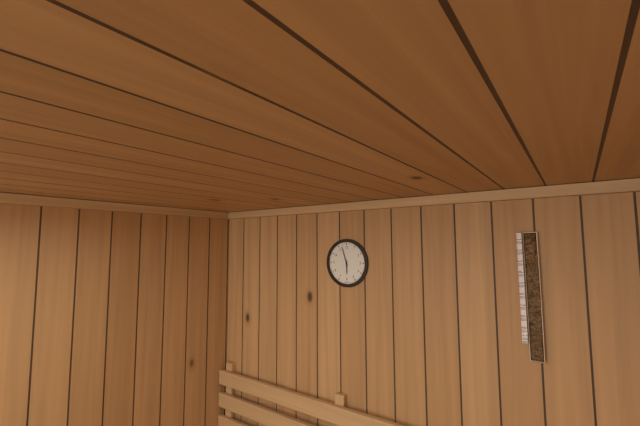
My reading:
5:57
